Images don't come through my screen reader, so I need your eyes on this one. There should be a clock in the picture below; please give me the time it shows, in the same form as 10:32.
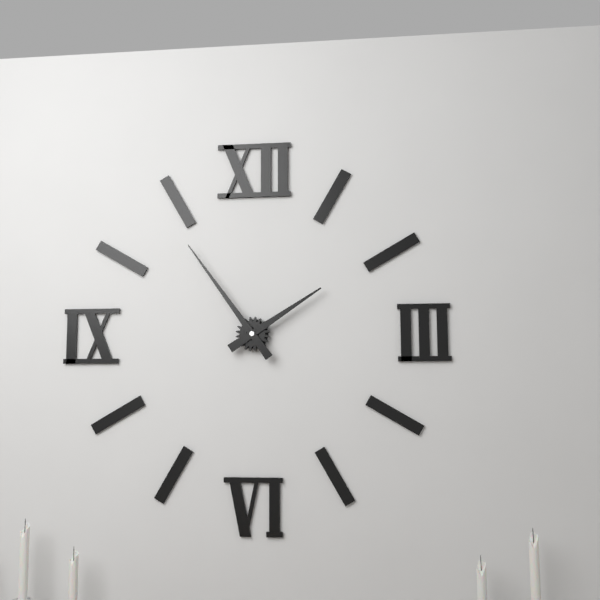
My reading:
1:54
